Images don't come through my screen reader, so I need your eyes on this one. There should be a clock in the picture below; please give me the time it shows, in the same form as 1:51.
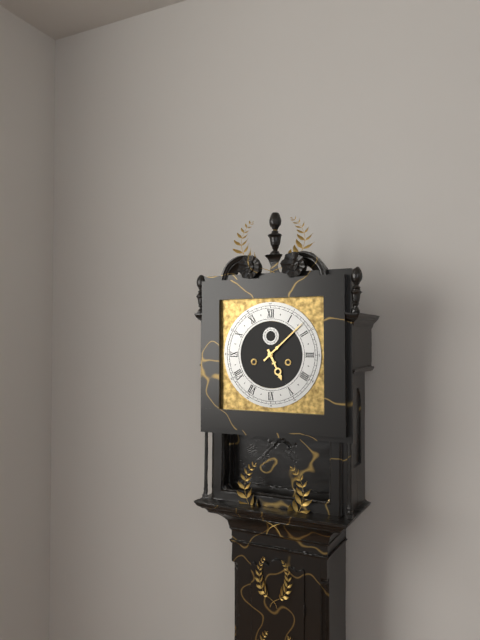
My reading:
5:08
